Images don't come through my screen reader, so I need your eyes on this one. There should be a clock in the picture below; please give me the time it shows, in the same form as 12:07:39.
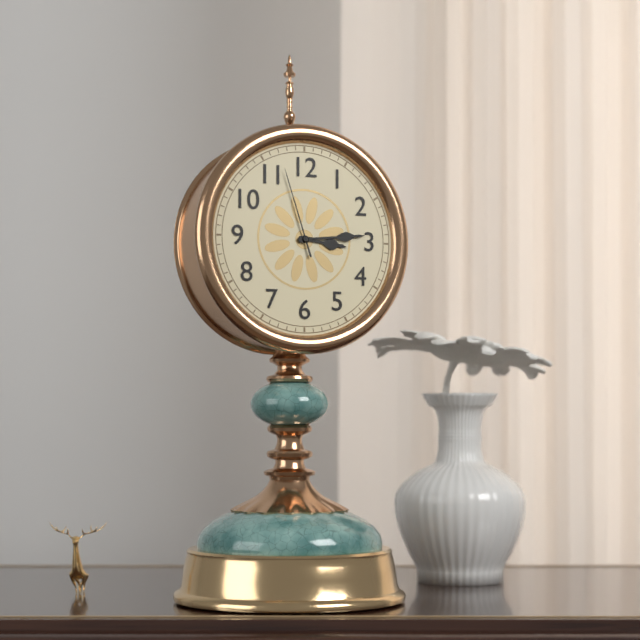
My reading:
3:14:57
